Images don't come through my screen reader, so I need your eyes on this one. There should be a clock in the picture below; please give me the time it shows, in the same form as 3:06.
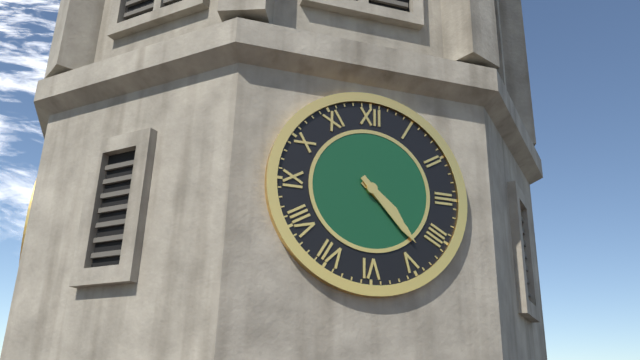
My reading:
4:23
